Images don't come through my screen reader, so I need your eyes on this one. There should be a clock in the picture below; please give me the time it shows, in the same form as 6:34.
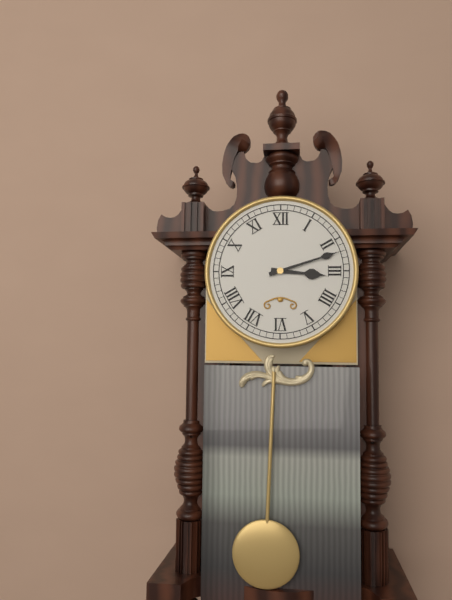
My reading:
3:12
